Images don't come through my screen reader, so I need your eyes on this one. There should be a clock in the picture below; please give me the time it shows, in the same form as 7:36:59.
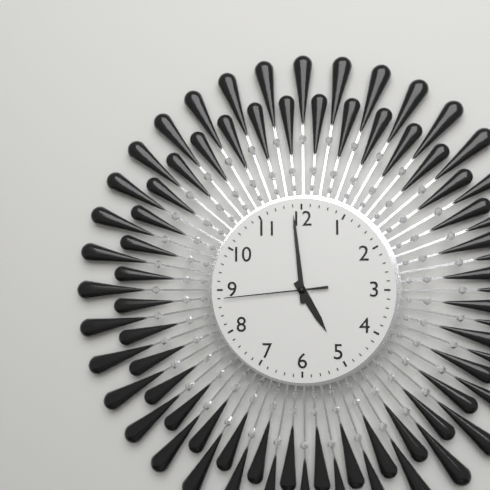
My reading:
4:59:44
